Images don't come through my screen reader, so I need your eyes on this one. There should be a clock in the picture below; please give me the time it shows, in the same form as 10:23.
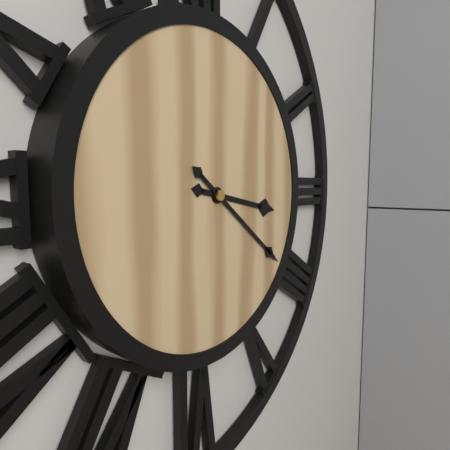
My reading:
3:21
